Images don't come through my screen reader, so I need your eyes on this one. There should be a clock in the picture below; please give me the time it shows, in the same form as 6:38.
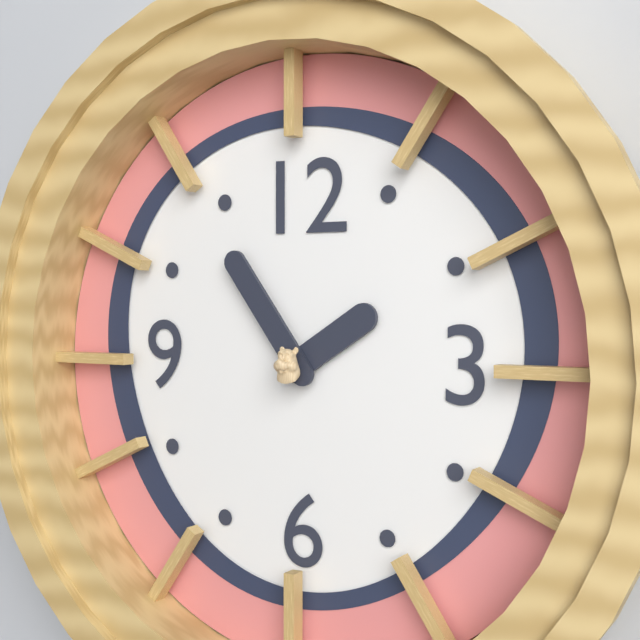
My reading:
1:54
